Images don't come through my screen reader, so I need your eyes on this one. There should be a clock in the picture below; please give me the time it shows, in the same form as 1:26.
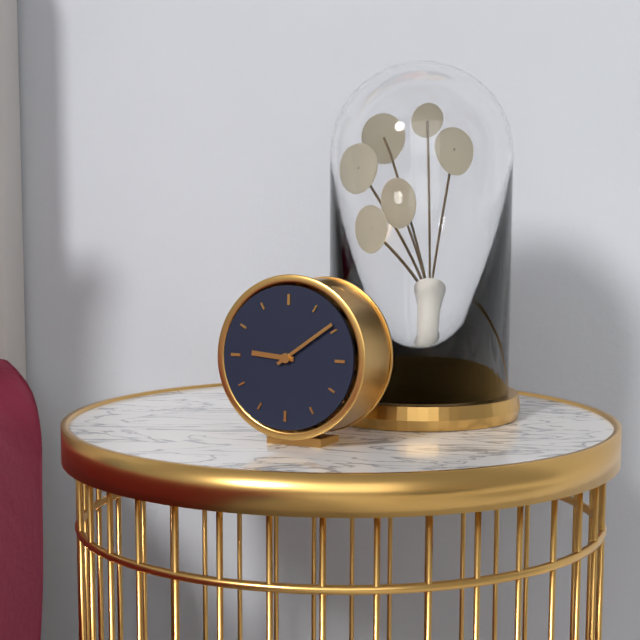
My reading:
9:09
